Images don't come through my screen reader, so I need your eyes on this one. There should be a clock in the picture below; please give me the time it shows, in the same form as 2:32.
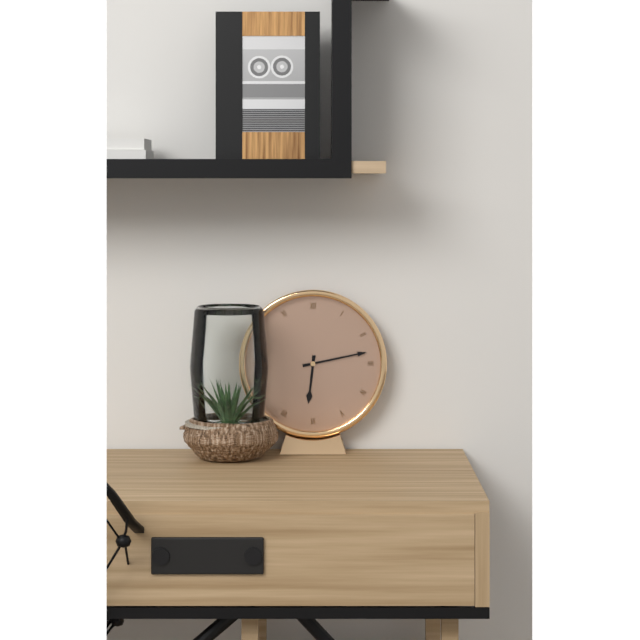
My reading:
6:13
